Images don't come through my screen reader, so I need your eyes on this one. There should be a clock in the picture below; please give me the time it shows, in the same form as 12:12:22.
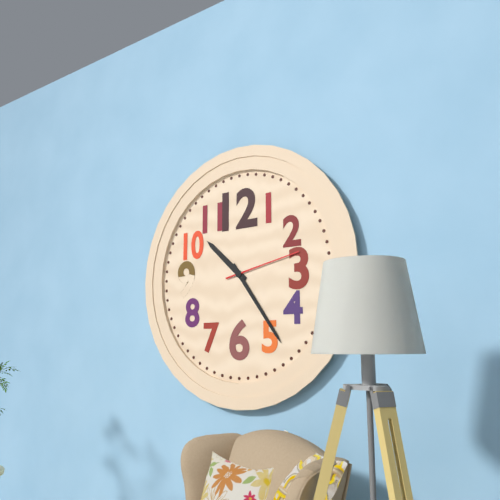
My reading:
10:24:13
